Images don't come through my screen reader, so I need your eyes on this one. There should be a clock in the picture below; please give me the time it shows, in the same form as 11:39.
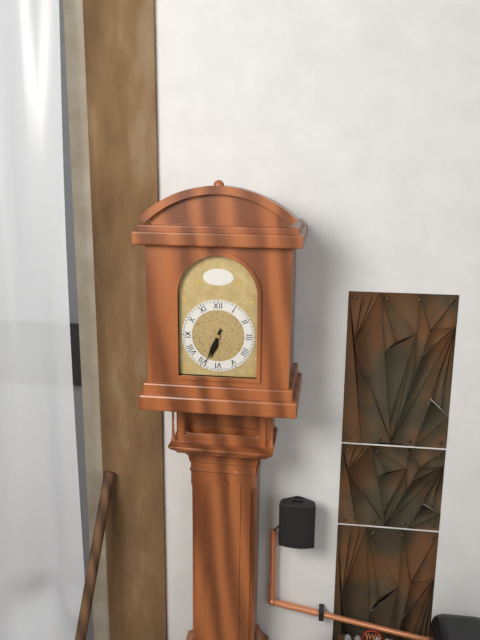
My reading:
6:34
